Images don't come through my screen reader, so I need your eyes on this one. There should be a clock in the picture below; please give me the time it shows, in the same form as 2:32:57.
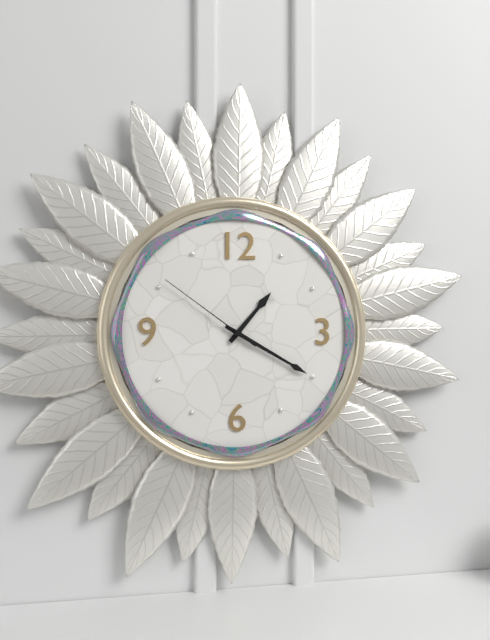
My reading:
1:20:51
